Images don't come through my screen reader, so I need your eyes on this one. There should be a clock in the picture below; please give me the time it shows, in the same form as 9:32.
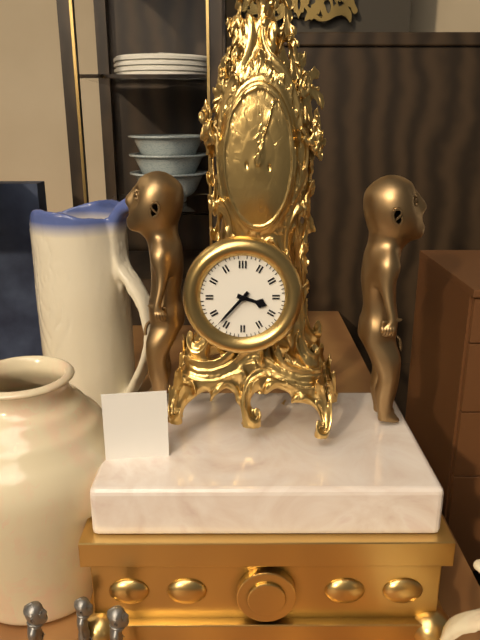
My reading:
3:37
